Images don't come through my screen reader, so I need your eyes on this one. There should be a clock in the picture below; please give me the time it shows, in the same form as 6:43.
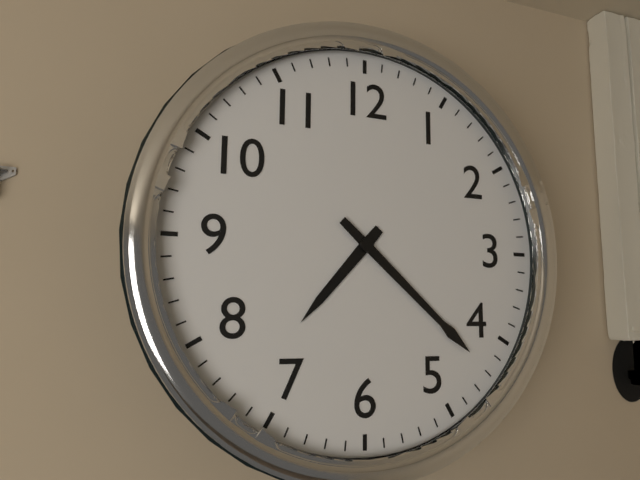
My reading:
7:22
